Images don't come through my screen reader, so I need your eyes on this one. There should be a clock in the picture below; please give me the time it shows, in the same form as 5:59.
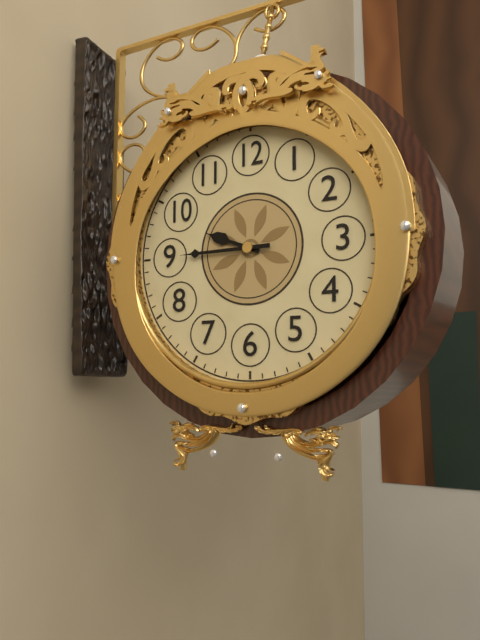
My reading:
9:45
